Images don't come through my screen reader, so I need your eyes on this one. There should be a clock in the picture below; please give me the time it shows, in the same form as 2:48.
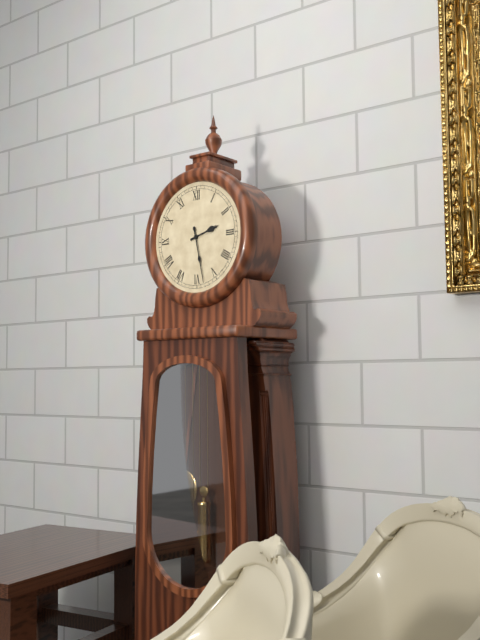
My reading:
2:28
